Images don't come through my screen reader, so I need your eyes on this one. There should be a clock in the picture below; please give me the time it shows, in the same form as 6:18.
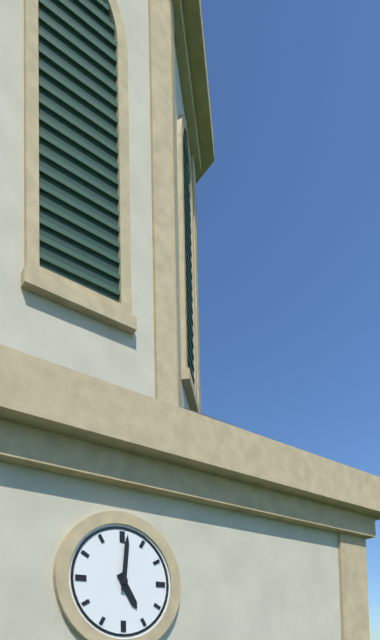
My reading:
5:01
